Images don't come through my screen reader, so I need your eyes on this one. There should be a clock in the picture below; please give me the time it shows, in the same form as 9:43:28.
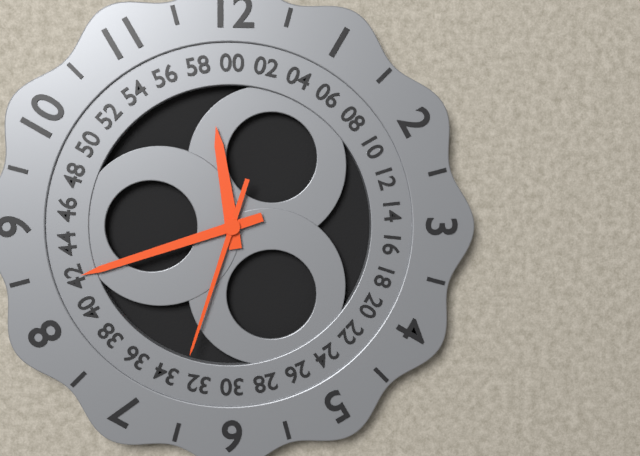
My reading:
11:42:33
